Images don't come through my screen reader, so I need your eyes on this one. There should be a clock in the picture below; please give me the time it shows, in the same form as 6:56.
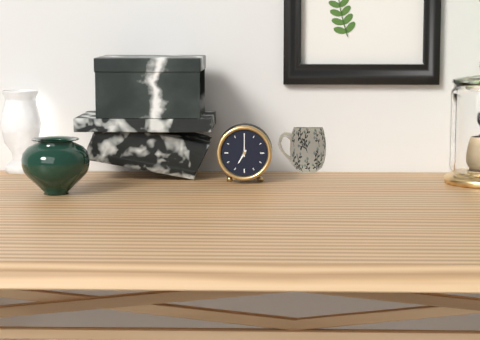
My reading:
7:00
